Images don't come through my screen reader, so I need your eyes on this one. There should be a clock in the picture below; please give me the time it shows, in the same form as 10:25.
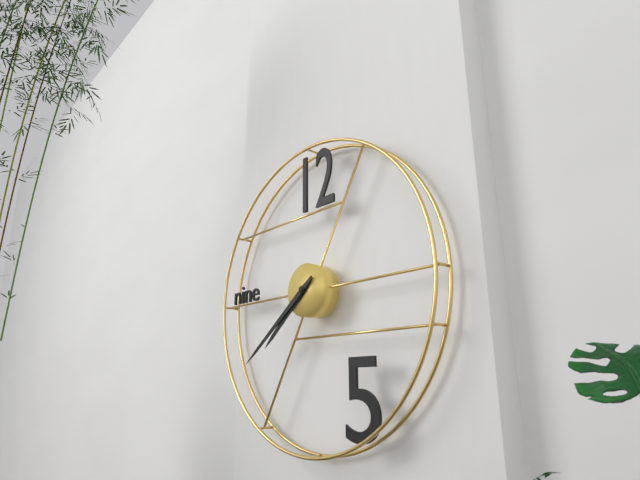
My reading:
7:39
